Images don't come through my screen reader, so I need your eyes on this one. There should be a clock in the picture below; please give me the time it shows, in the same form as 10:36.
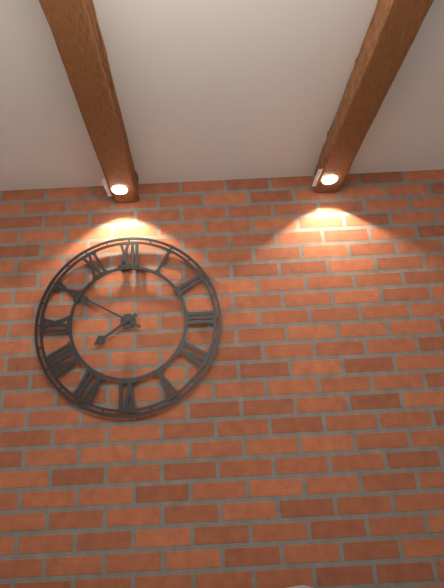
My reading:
7:50
